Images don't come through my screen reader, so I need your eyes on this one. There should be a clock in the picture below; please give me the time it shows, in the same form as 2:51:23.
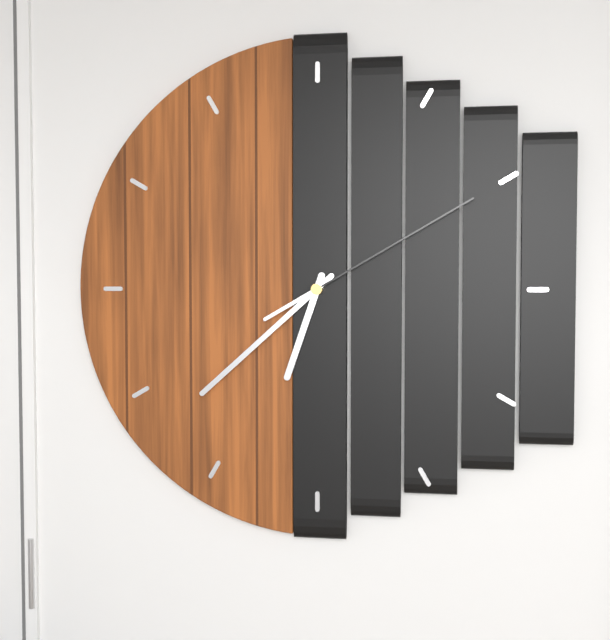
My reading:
6:38:10
